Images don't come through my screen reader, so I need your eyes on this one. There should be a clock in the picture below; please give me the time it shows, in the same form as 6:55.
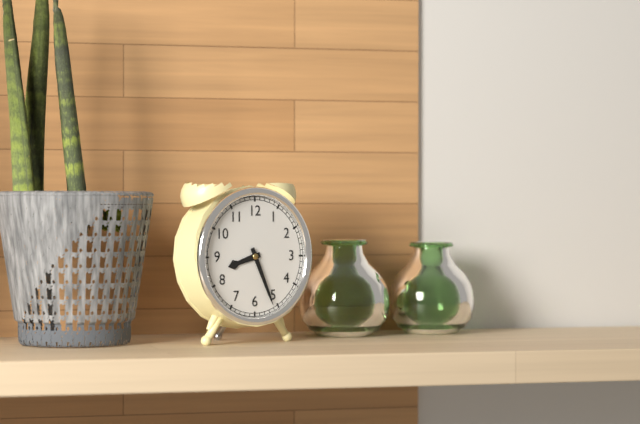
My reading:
8:26
